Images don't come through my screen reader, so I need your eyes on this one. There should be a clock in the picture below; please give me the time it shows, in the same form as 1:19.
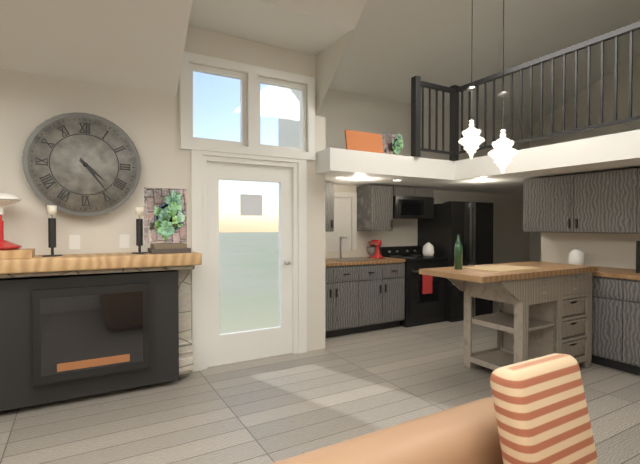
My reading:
4:24
